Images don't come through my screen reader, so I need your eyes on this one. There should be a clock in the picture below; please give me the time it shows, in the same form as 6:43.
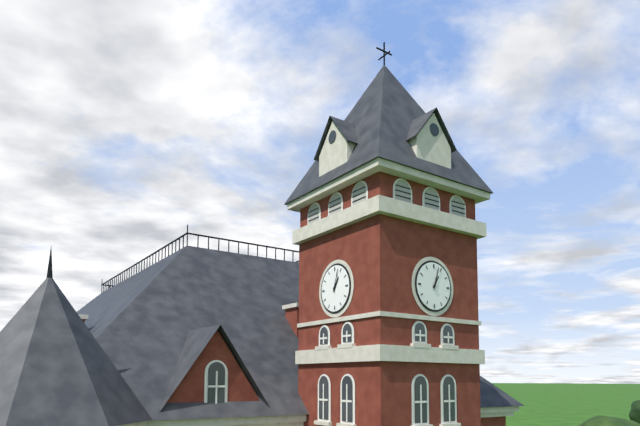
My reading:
1:03
